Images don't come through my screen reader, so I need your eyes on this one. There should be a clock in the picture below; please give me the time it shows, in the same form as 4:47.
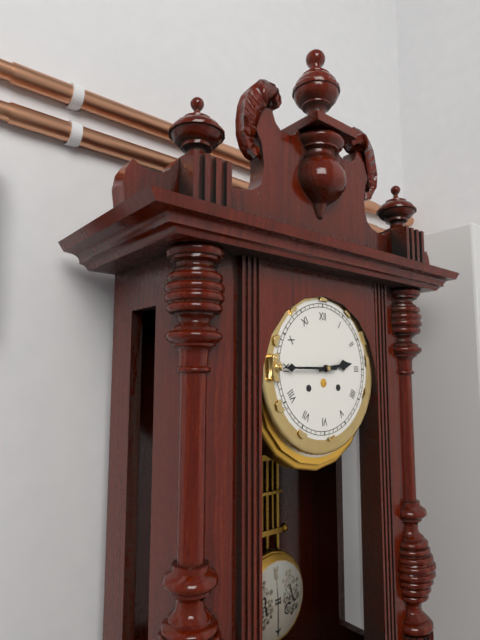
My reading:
2:45
